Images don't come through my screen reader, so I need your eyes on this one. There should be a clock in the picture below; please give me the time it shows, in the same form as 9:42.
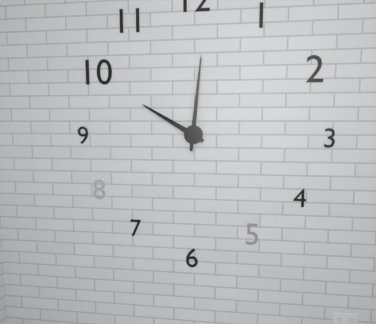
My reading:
10:01
